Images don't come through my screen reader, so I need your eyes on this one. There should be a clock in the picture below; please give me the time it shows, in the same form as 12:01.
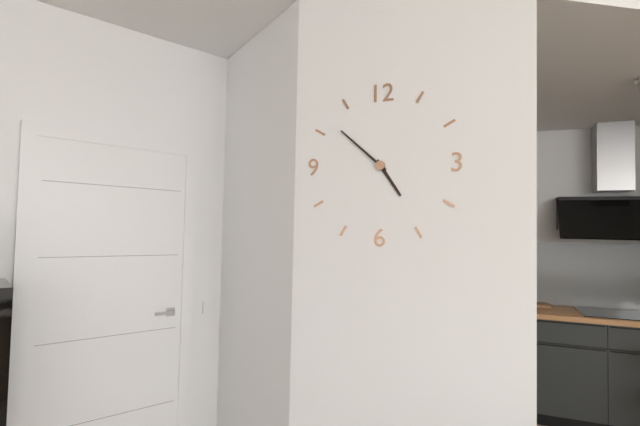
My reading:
4:52
